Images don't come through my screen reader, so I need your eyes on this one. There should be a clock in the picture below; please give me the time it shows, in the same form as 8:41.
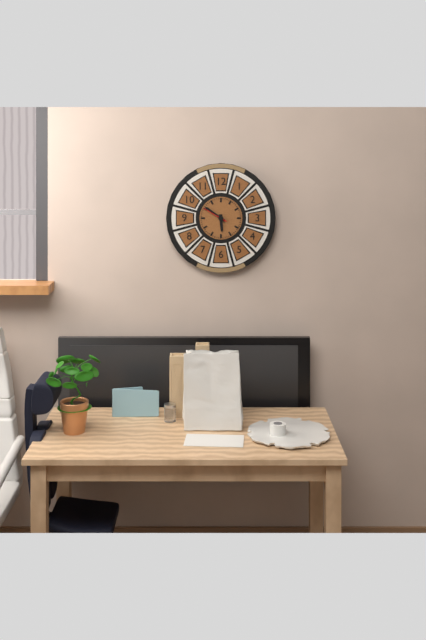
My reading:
5:51
